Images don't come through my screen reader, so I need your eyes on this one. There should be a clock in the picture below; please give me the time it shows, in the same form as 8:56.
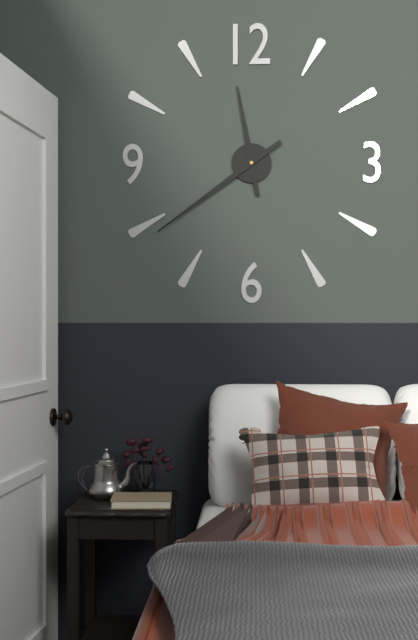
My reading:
11:39
